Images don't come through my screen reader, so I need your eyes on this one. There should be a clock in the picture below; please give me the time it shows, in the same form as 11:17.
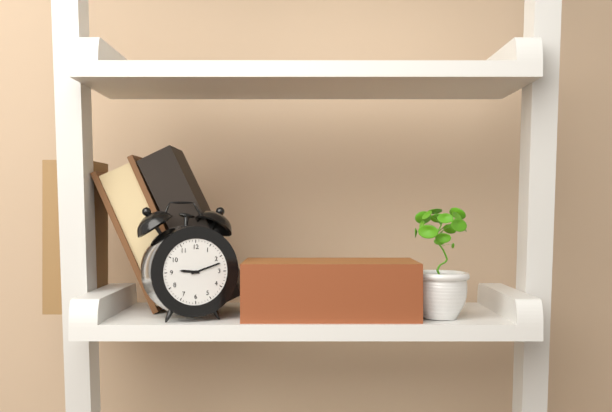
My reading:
9:12
